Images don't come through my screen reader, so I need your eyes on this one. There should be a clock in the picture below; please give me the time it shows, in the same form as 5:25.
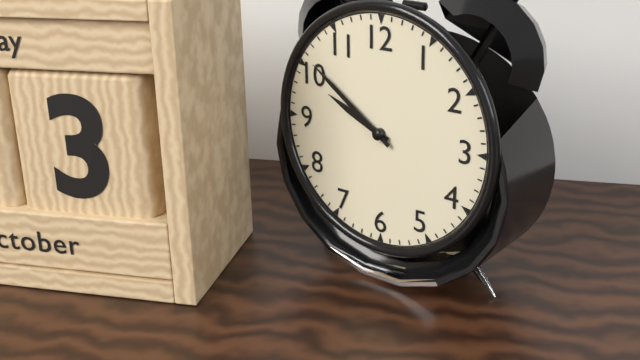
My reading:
9:51
